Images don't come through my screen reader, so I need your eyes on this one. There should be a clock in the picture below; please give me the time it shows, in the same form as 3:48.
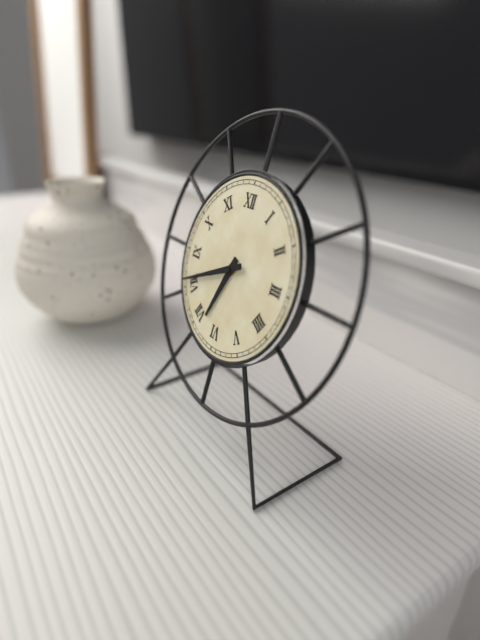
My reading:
6:41
